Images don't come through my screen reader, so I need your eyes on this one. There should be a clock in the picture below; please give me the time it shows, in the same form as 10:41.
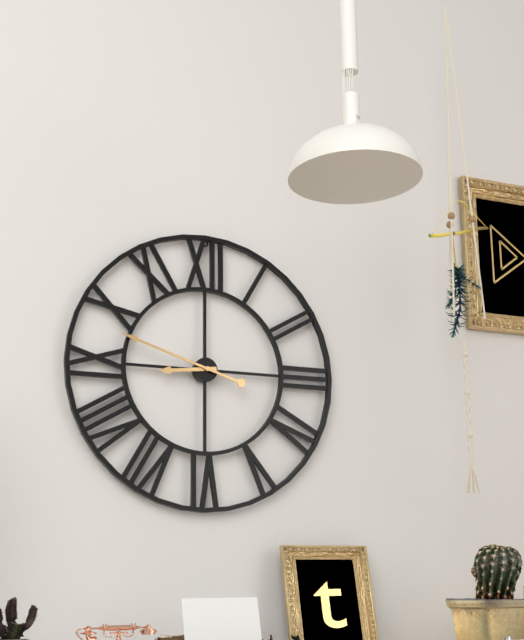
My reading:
8:48
